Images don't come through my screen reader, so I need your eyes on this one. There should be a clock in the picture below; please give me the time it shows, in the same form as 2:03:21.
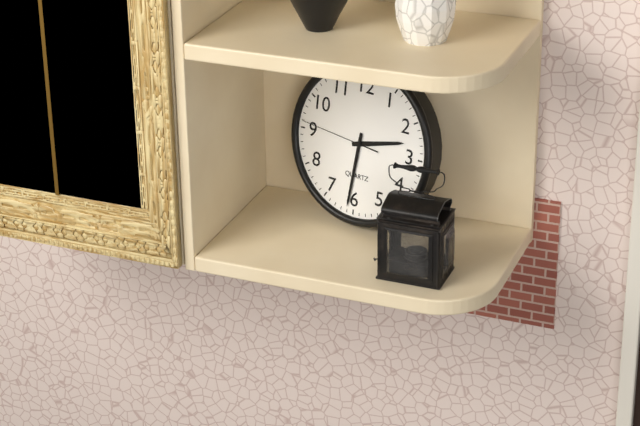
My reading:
2:31:46
